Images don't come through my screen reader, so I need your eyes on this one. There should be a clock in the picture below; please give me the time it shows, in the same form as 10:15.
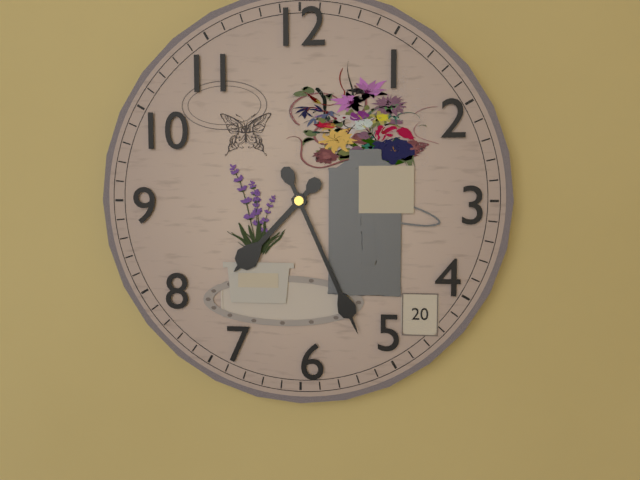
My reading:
7:26
